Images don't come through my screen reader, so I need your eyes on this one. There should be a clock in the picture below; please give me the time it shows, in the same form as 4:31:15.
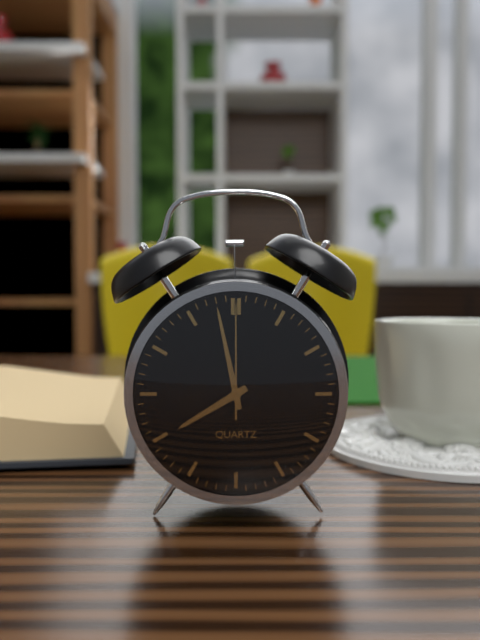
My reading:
7:58:00
